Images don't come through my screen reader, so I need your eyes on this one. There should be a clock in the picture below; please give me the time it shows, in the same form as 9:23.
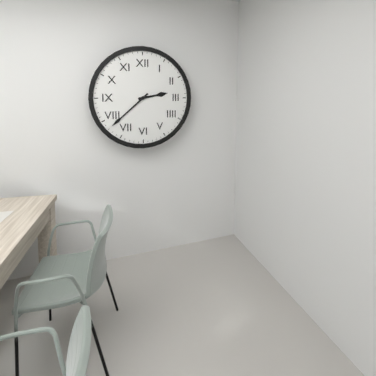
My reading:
2:38
